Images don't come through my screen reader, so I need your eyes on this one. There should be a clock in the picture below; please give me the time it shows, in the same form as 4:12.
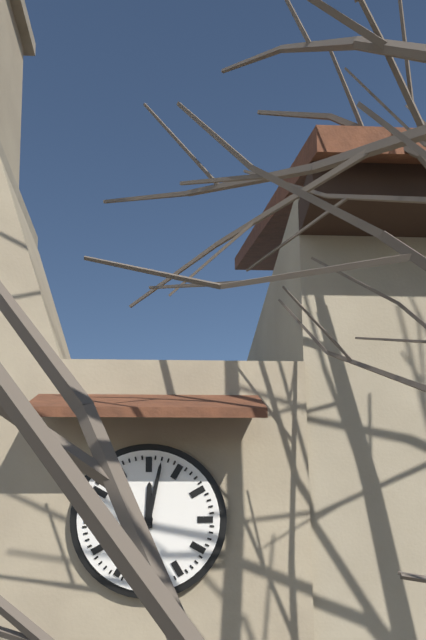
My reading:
12:02
